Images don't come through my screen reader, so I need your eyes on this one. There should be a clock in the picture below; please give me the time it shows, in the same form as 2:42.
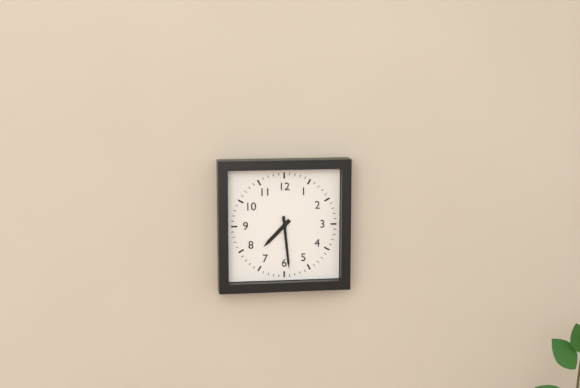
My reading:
7:29
